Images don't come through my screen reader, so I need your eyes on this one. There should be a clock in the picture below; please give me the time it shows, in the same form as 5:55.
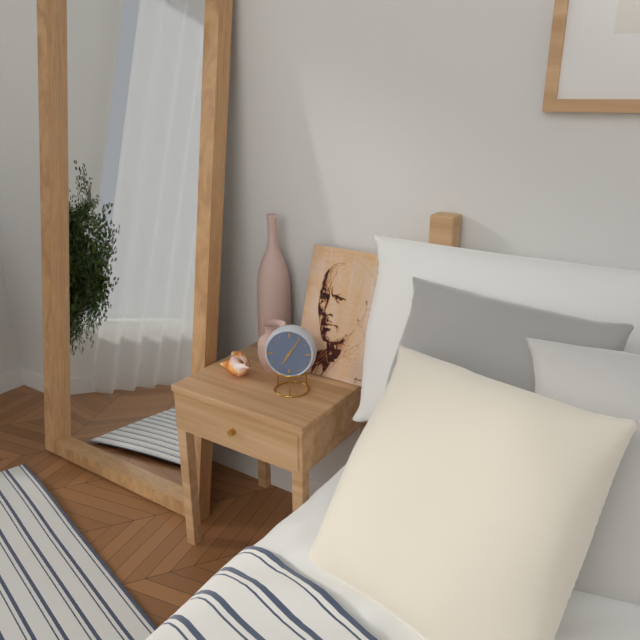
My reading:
7:06
